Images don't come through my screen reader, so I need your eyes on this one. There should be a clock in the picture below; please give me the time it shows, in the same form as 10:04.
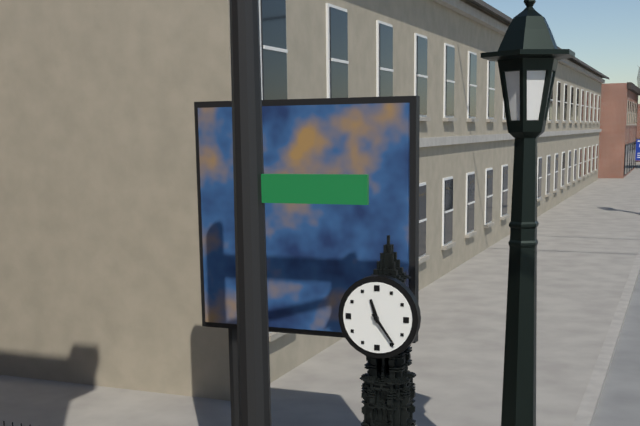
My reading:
11:24
